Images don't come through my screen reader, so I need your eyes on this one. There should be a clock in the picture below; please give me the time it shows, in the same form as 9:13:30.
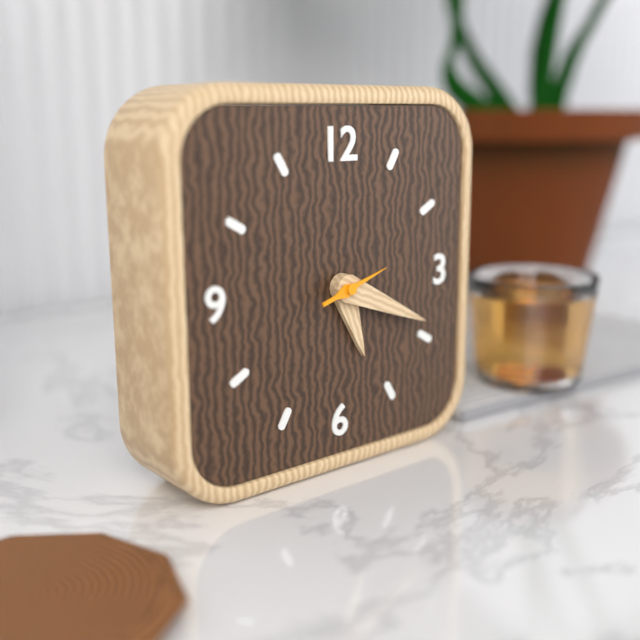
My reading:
5:19:12
